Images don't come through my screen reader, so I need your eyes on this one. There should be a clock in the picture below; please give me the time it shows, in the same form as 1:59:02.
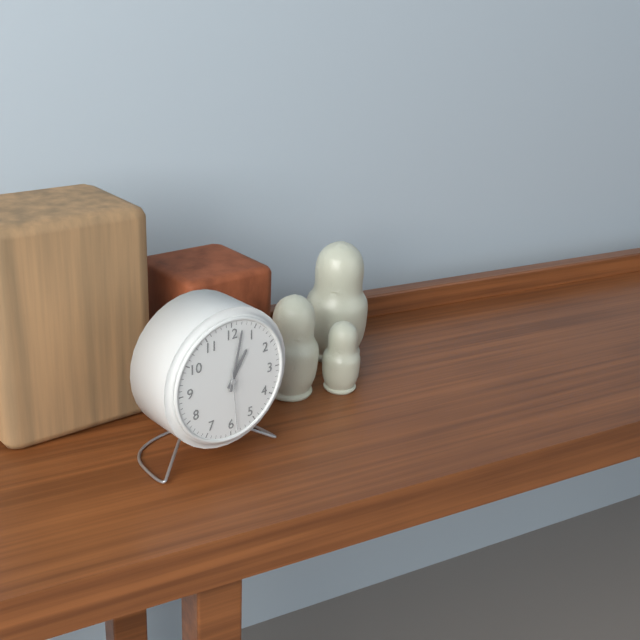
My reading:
1:02:29
